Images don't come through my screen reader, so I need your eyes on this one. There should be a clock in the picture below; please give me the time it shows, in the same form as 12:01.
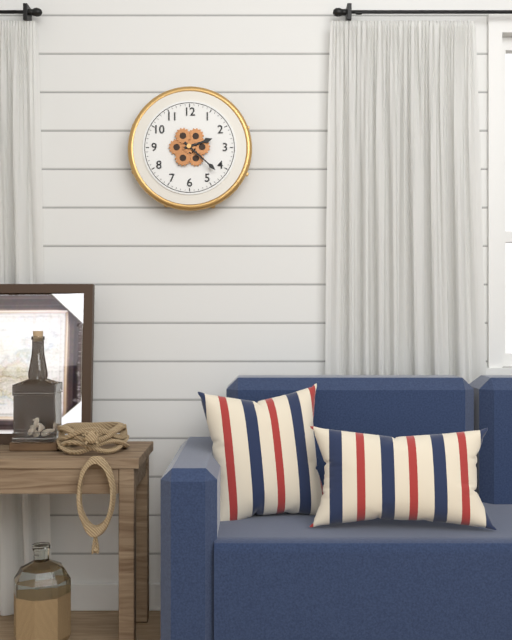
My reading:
2:22
